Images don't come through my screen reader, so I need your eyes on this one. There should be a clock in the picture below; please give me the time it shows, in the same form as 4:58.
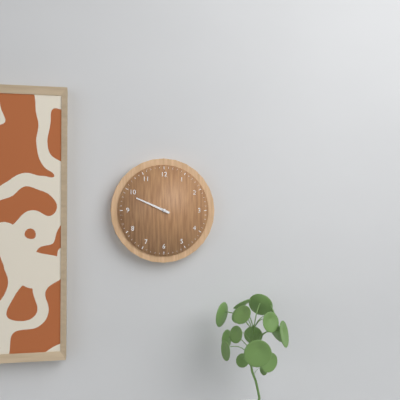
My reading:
9:49
